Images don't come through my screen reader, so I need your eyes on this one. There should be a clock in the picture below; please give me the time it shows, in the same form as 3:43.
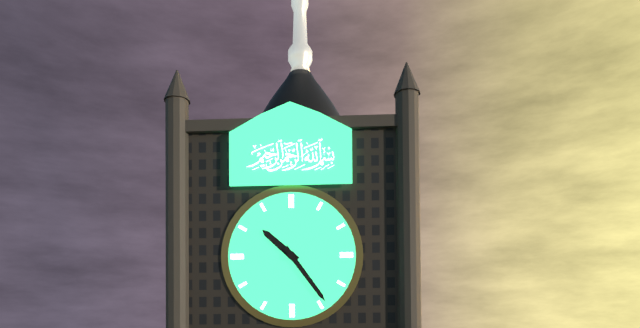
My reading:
10:24
